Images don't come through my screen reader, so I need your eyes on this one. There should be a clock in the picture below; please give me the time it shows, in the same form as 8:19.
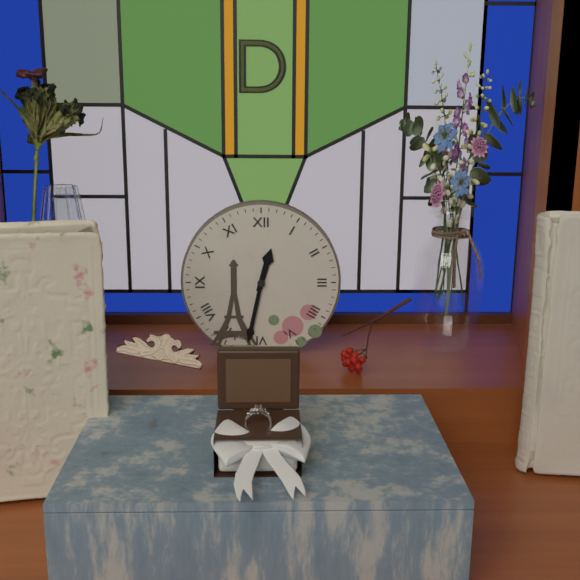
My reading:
12:32
